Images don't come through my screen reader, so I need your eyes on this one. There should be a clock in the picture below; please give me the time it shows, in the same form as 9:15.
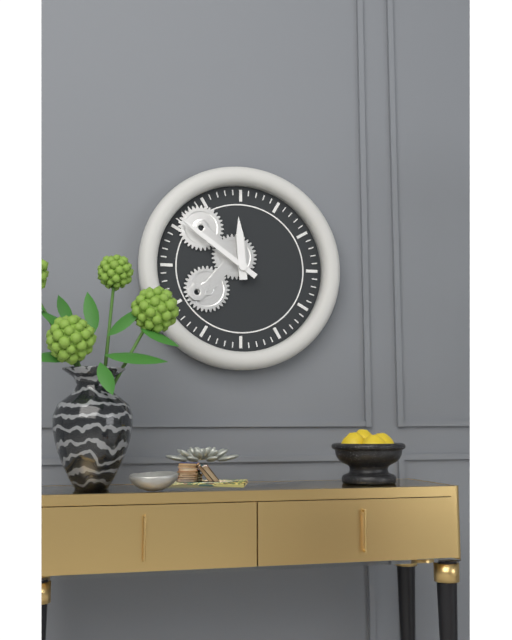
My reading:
11:51
